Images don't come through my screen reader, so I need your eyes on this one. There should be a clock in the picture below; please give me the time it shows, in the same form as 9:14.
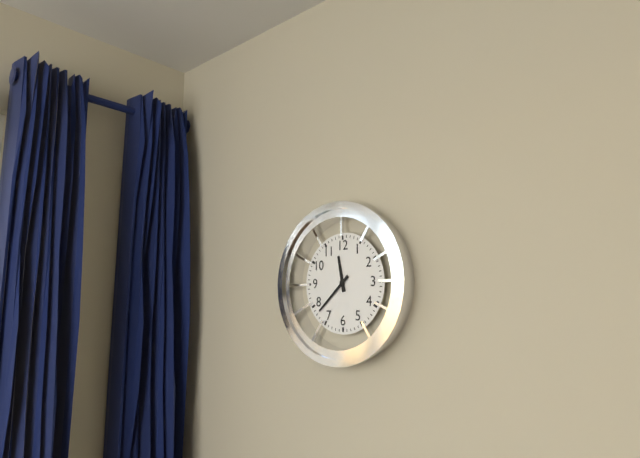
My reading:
11:38
